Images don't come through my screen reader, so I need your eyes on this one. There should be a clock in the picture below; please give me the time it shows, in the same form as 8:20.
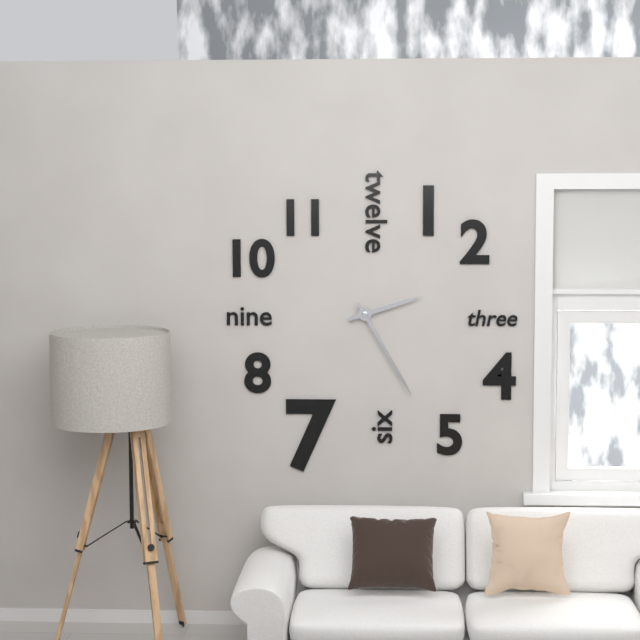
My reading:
2:25
